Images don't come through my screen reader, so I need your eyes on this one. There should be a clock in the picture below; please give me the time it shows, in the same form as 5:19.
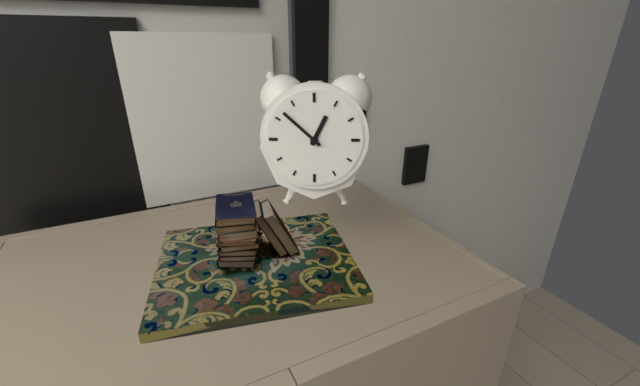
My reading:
12:52
